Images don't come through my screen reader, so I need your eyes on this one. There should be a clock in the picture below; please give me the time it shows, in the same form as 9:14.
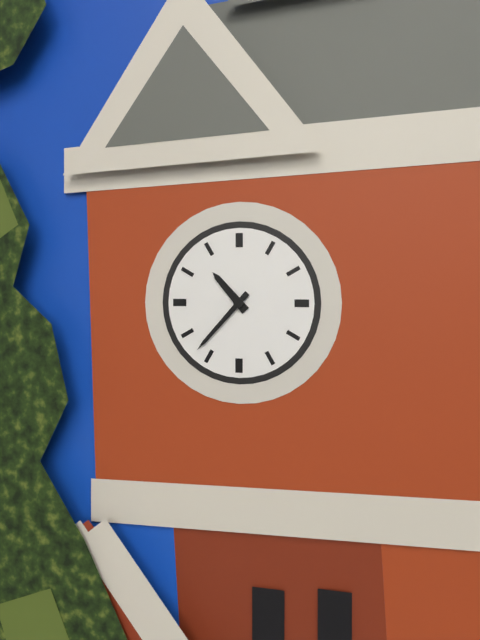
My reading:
10:37
